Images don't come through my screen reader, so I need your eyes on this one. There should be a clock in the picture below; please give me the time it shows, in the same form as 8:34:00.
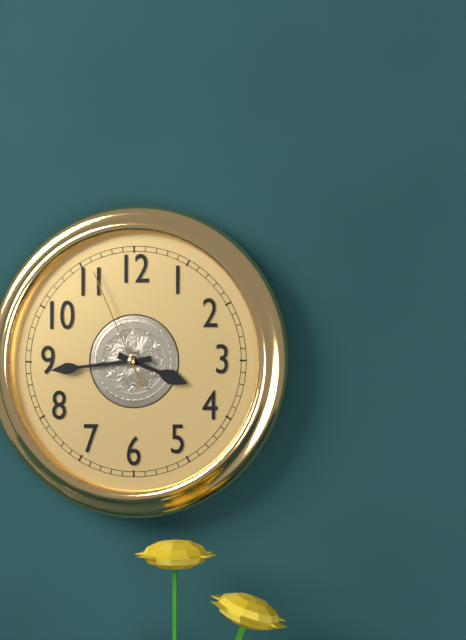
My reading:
3:44:56
